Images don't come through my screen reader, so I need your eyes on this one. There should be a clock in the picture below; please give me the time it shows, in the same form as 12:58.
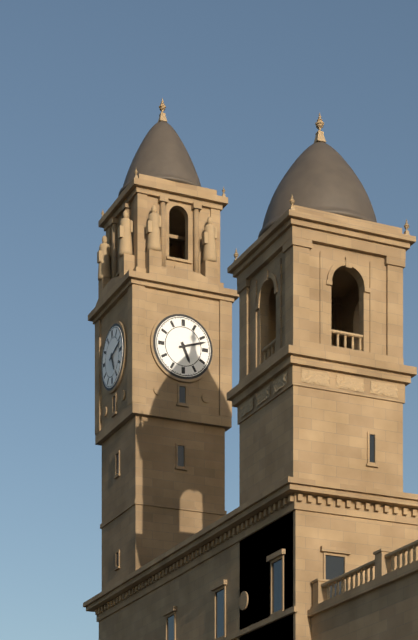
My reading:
5:12
